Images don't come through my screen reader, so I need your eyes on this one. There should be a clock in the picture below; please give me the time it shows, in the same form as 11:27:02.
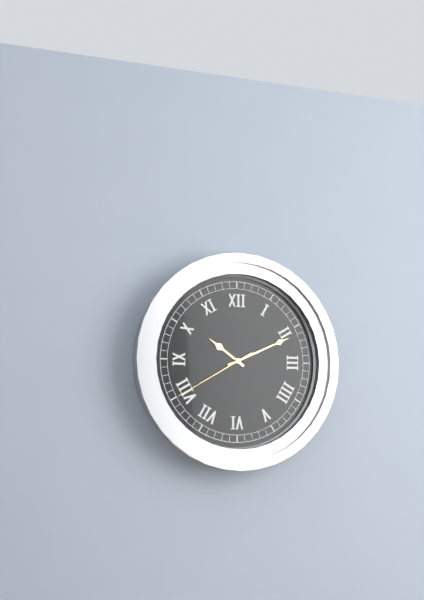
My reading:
10:11:40
